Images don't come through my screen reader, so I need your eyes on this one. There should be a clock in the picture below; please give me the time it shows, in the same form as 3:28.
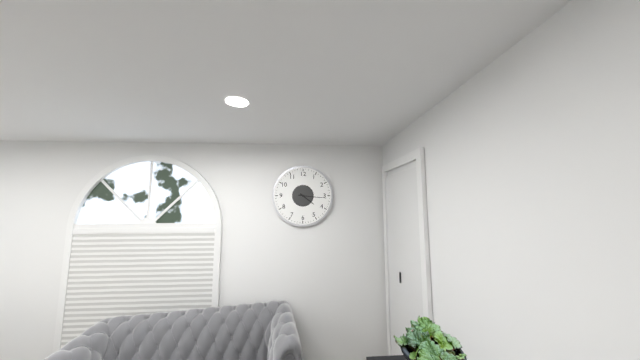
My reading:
4:16
